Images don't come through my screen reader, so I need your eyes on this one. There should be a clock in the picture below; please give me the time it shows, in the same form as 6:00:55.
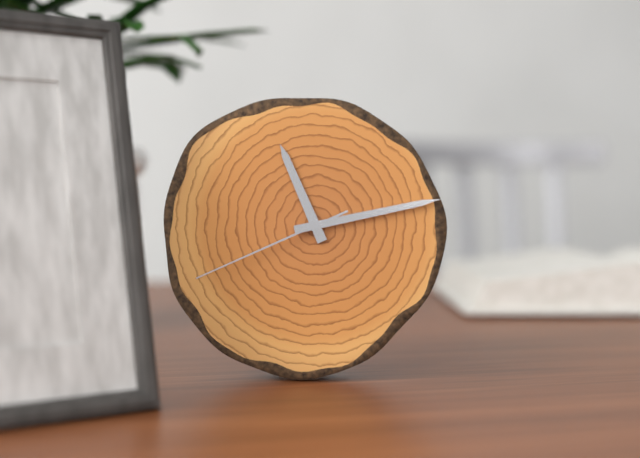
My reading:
11:13:41
